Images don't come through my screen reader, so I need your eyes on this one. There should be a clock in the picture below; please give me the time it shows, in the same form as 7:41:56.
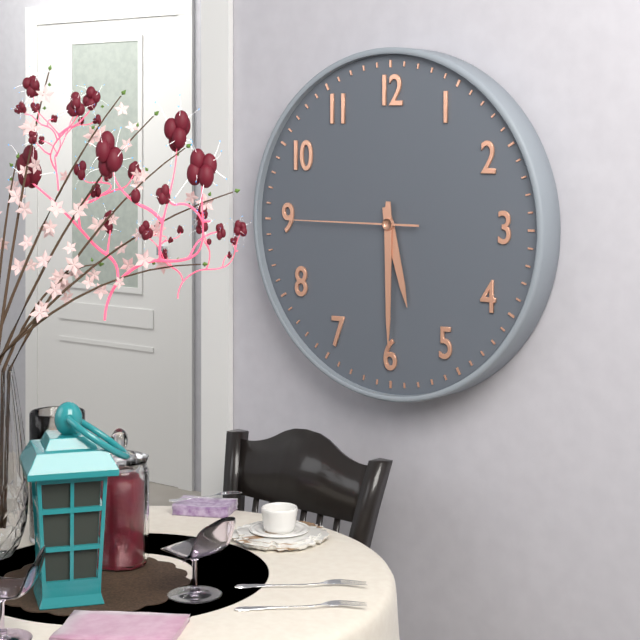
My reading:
5:30:45
